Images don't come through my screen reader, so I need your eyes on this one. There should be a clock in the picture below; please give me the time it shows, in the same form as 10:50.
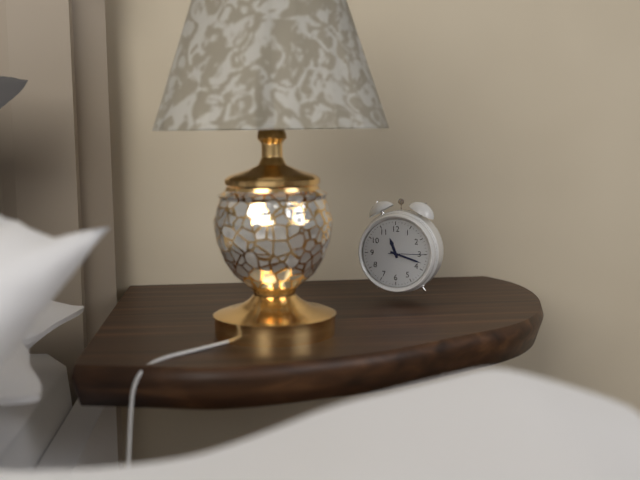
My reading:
11:18
